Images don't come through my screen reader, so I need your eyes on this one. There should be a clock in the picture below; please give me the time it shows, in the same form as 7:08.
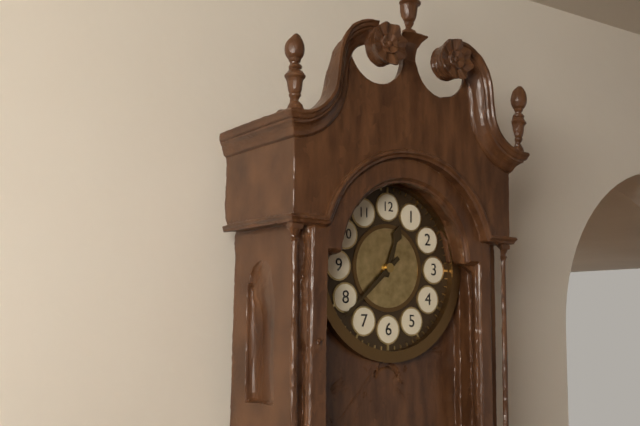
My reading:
12:38
